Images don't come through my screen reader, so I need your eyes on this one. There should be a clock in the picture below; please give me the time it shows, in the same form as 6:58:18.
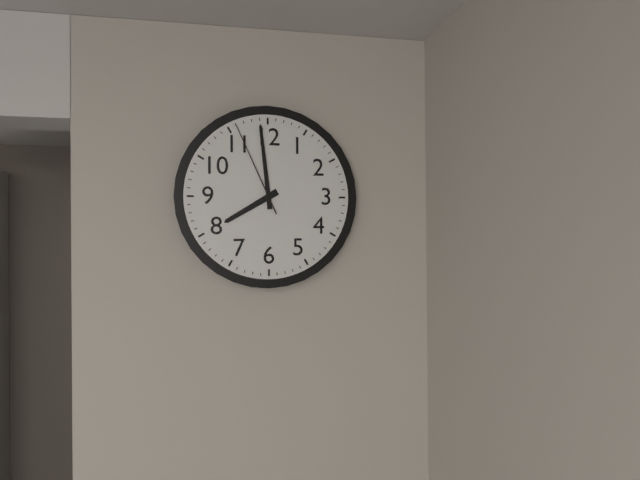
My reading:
7:59:56
